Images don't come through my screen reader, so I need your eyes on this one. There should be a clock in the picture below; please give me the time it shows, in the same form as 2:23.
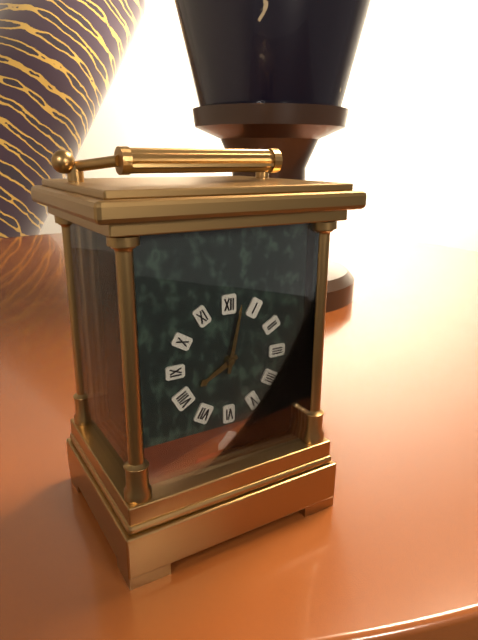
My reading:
8:02
